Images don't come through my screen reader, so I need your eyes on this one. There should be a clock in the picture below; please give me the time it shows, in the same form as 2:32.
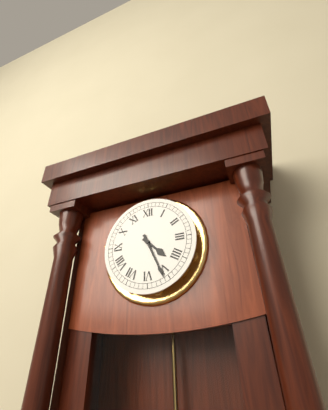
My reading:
4:26
